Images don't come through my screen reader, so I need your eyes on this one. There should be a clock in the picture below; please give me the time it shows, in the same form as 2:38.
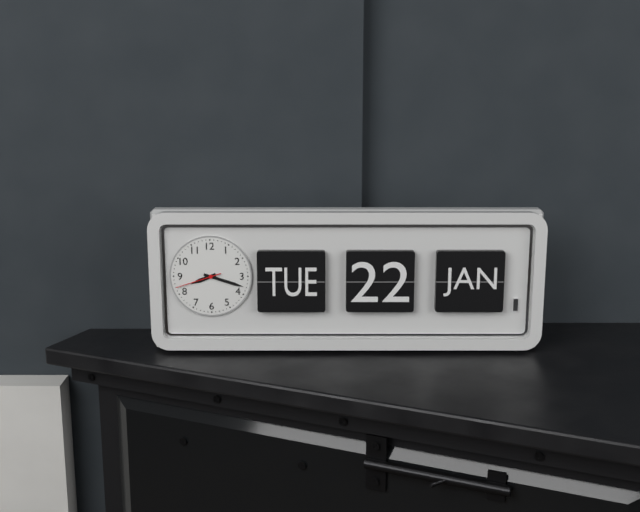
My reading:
8:18
